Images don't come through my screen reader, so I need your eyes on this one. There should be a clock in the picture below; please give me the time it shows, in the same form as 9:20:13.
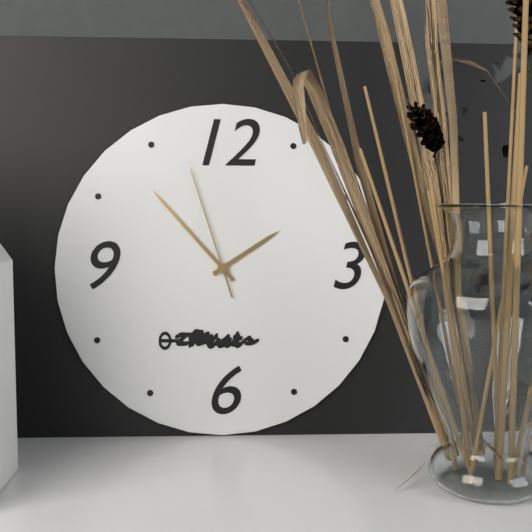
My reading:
1:53:57
